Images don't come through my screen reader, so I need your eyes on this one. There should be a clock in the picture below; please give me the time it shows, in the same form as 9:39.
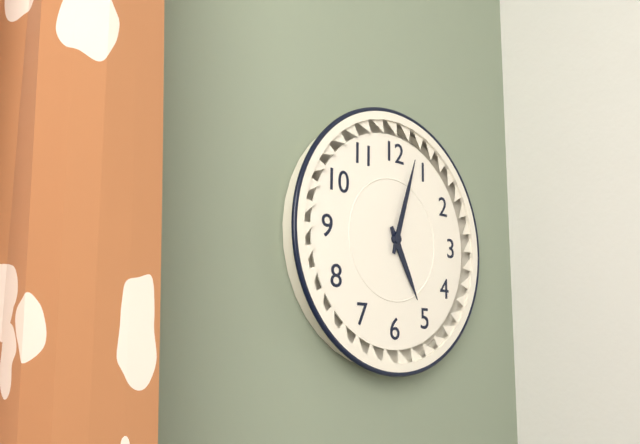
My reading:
5:03
